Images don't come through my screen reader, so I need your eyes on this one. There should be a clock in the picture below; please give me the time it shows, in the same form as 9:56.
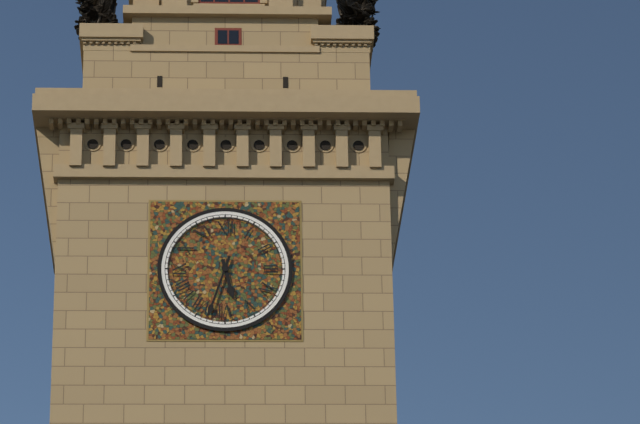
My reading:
5:33
